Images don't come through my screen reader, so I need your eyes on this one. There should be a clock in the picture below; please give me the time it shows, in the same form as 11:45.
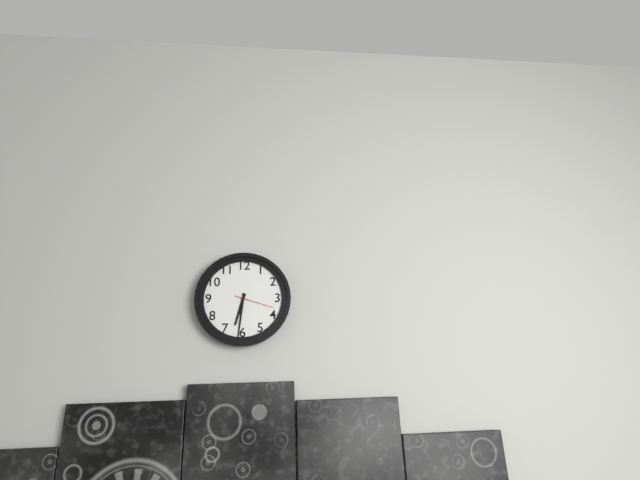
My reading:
6:31
